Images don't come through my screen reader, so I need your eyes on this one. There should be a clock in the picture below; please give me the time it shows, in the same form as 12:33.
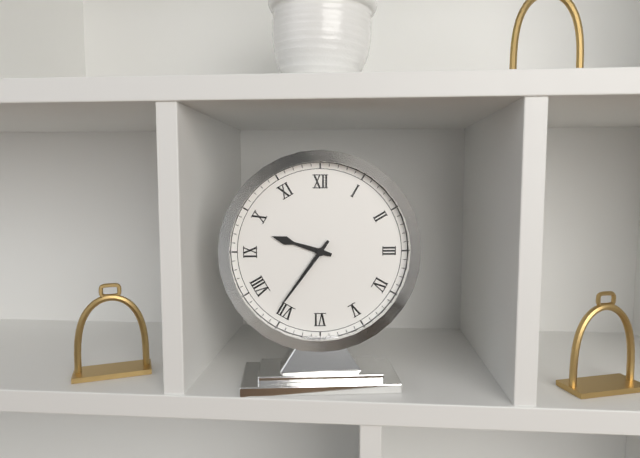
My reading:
9:36
